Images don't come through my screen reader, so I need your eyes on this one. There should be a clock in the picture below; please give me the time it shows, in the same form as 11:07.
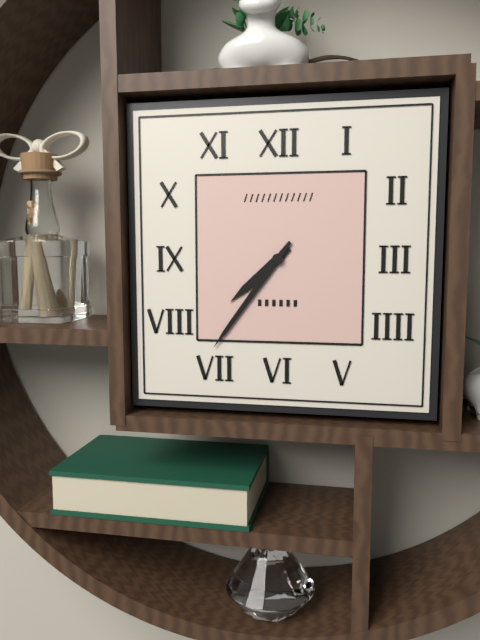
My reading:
7:36
